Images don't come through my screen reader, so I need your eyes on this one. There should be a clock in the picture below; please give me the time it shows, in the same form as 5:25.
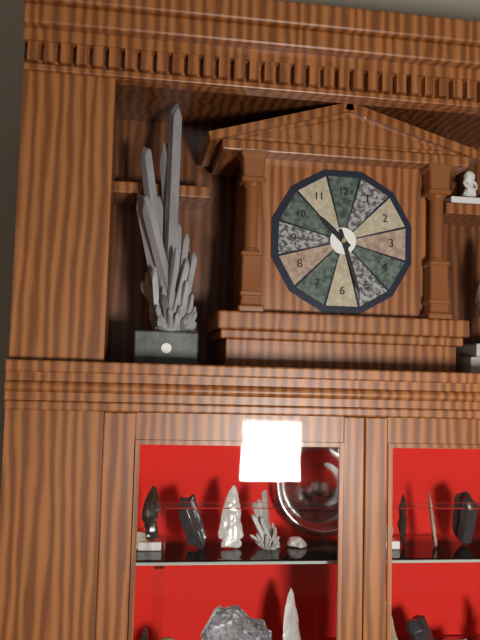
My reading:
10:27
